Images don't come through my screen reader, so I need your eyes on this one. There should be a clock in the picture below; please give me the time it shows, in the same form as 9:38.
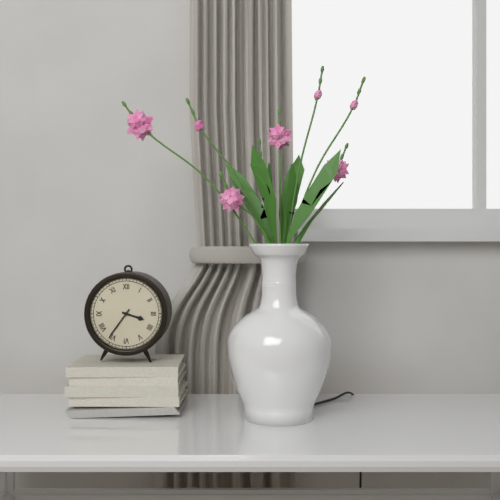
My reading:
3:36
